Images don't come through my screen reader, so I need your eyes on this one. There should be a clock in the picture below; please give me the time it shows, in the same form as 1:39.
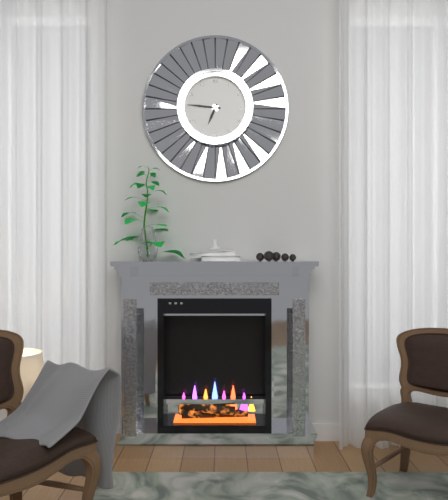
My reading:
6:46
